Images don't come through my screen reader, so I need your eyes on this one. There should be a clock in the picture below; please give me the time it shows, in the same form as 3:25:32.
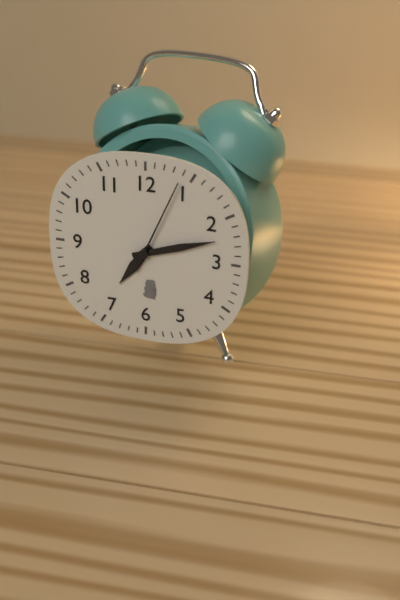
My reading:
7:12:04
